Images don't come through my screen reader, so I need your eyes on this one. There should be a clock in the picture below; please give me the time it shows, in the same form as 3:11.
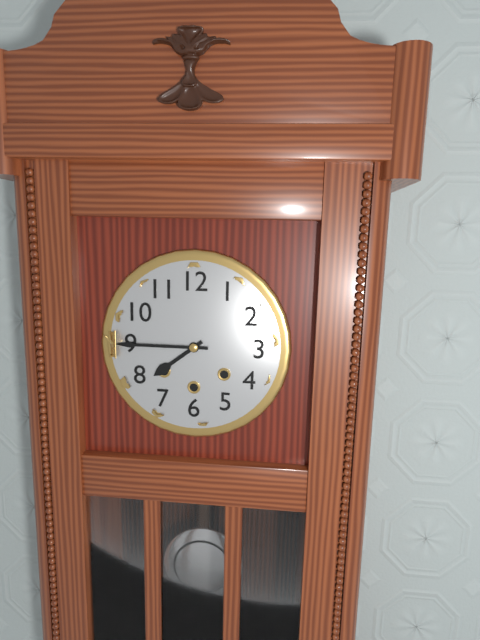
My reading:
7:45
